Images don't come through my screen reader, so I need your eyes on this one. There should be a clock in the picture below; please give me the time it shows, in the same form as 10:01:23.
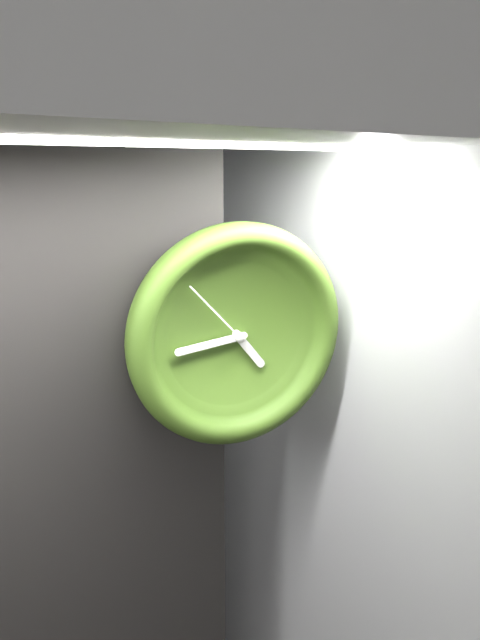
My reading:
4:44:53
